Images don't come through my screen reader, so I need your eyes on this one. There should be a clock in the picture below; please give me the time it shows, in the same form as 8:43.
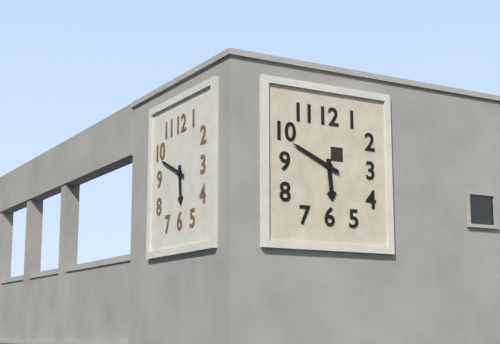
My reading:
5:49
